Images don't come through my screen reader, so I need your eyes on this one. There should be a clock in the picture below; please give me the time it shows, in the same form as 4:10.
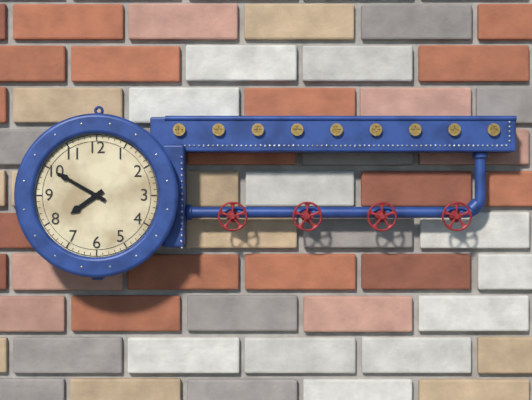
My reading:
7:50
